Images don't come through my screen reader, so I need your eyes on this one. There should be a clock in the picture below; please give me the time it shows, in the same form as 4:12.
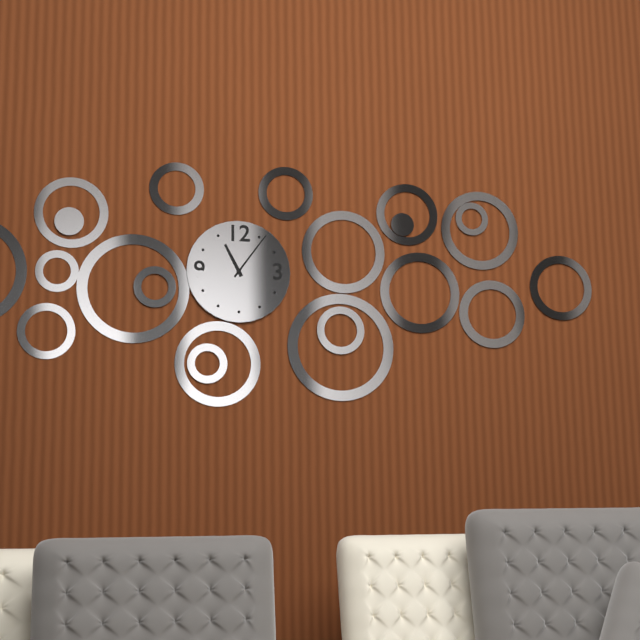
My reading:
11:06
